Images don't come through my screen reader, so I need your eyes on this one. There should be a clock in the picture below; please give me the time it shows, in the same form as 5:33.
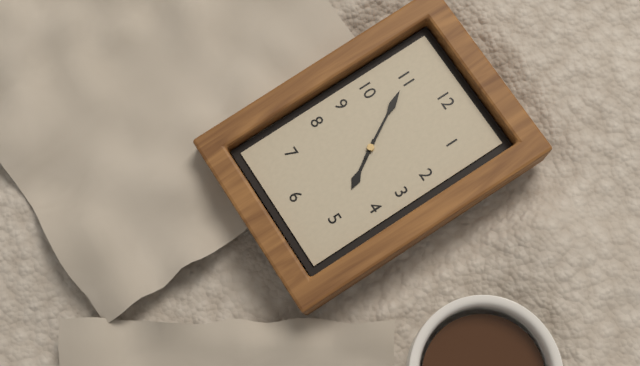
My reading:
4:55
